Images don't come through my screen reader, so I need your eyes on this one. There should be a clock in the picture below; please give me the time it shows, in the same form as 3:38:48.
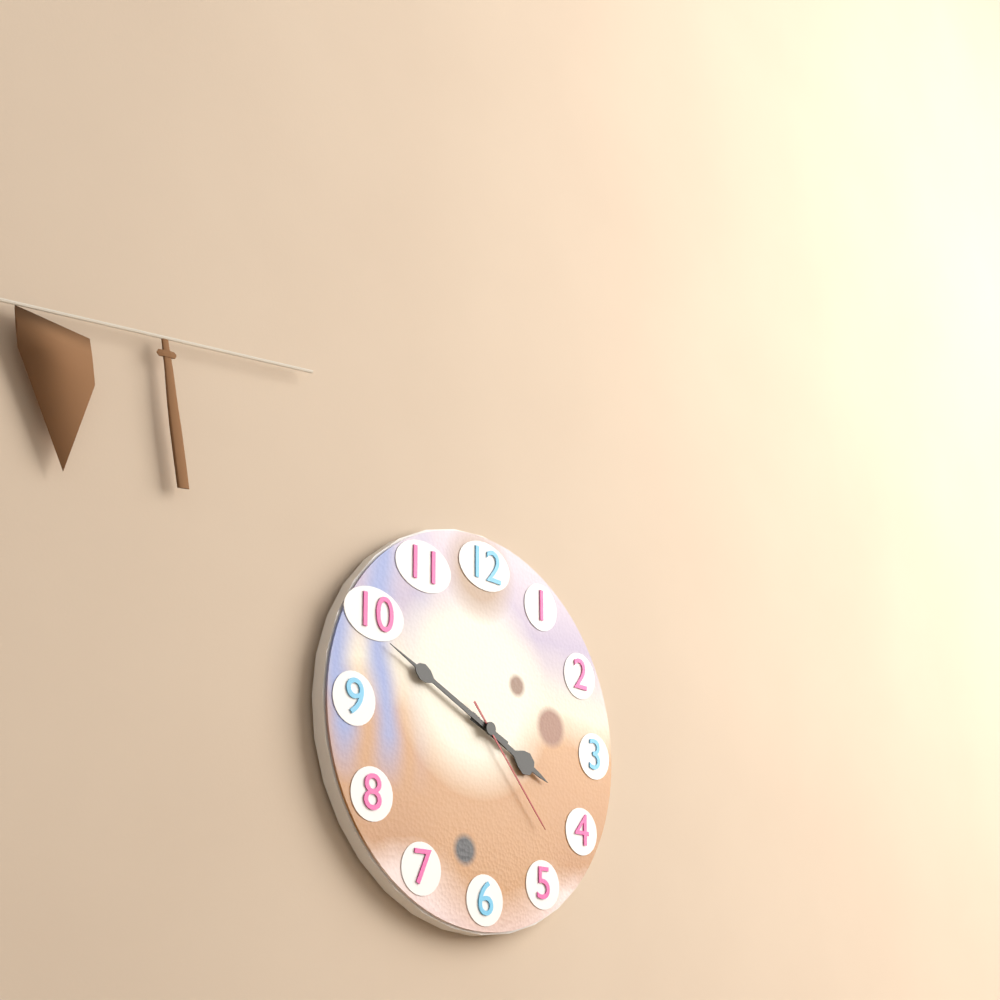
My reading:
3:49:23
